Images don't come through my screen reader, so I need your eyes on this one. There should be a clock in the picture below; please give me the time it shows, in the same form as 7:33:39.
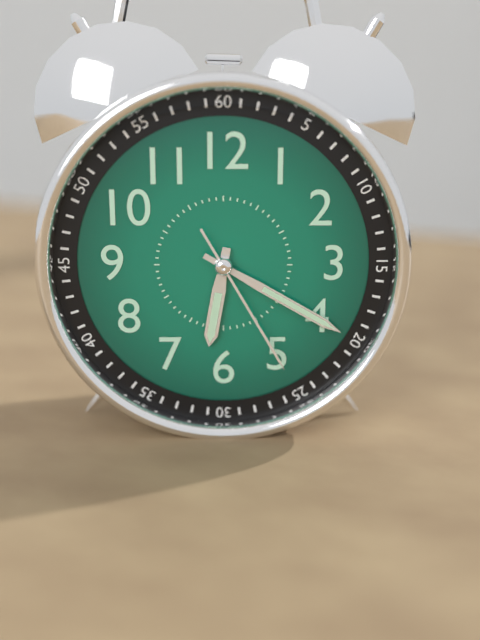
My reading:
6:20:25
